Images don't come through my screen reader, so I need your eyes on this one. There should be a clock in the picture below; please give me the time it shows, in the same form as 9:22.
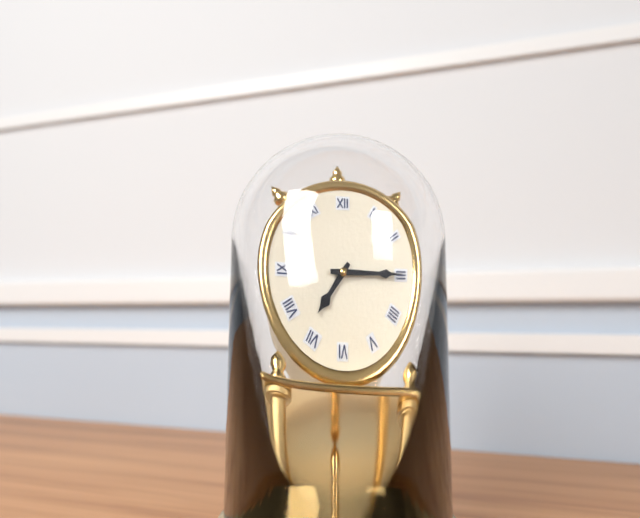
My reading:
7:15
